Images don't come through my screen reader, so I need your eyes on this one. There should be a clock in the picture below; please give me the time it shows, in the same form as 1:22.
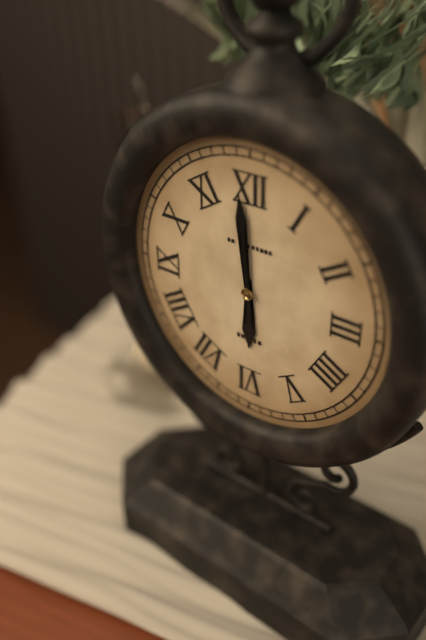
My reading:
5:59
